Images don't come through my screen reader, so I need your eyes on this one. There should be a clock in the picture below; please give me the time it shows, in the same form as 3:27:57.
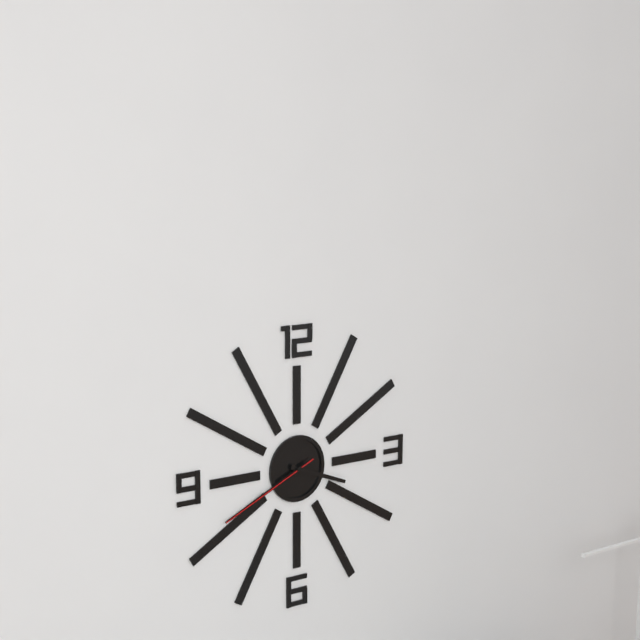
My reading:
3:41:41
